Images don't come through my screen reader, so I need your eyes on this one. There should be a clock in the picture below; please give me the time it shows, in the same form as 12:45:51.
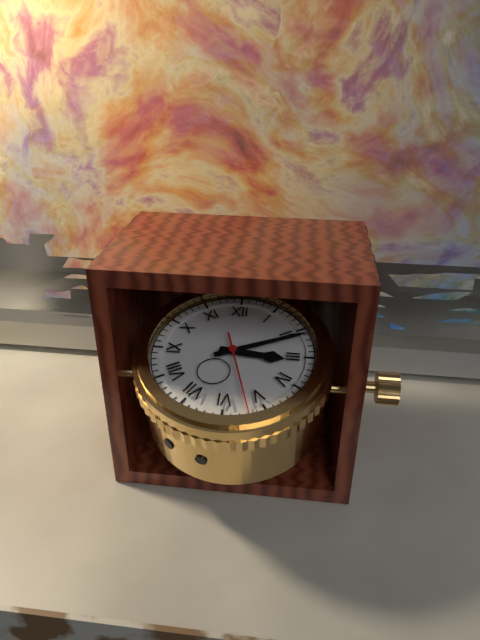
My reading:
3:11:27
